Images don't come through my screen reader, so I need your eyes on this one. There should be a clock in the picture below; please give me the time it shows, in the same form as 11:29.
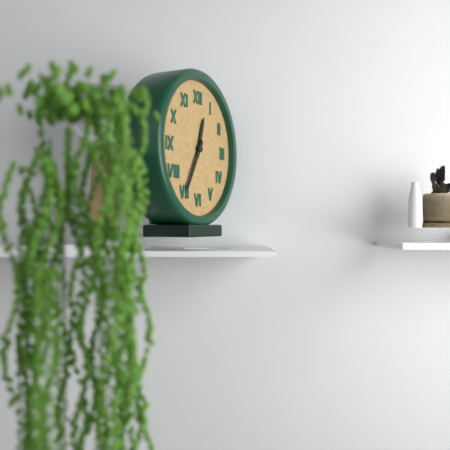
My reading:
12:35
